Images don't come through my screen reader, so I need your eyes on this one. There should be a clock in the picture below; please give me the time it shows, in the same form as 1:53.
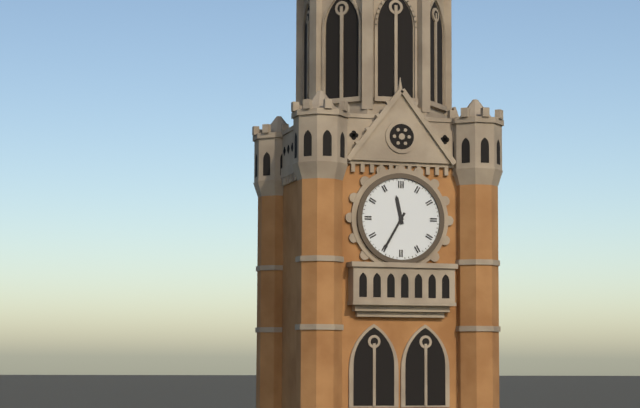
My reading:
11:35
